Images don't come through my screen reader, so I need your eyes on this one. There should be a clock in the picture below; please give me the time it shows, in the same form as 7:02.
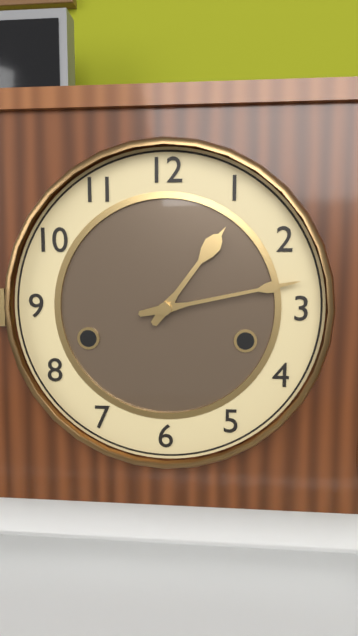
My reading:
1:13
